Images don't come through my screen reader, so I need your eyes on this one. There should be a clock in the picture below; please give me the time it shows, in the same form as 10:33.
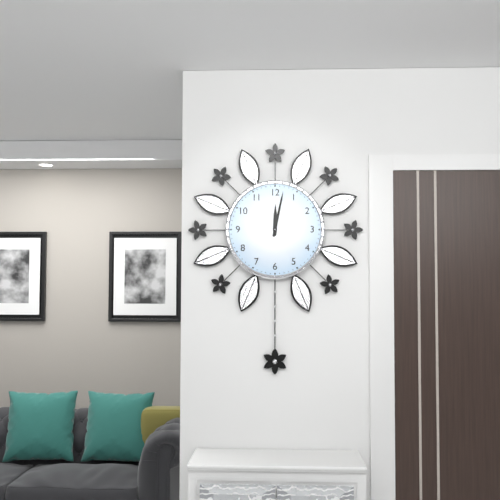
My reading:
12:02
